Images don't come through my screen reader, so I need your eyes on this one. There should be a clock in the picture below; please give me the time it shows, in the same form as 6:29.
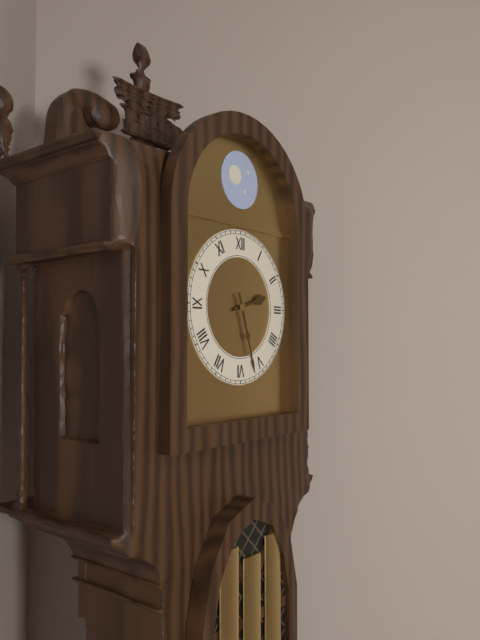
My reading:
2:27
